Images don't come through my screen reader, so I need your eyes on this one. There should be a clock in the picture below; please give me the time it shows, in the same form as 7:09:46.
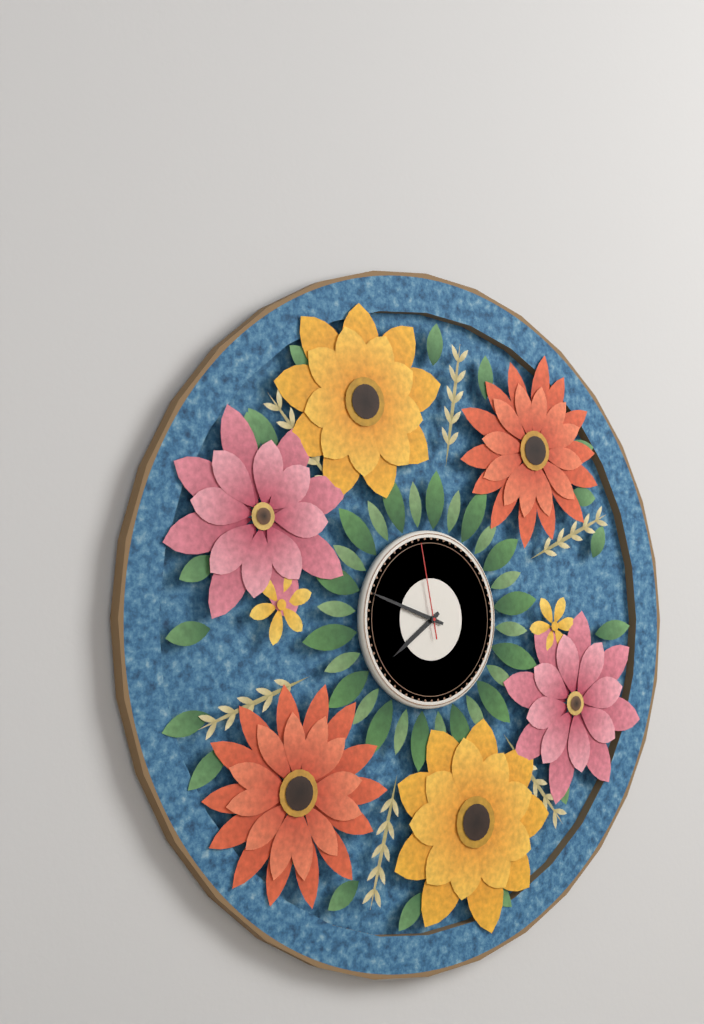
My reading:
7:48:58
